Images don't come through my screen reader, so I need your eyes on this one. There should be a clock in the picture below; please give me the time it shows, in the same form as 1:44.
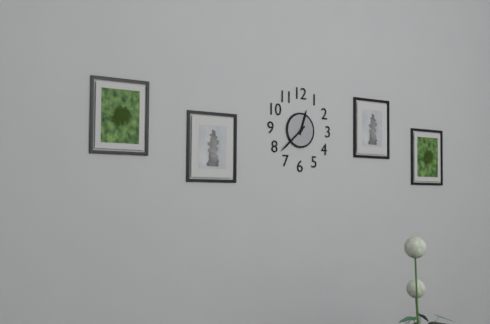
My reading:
12:38
